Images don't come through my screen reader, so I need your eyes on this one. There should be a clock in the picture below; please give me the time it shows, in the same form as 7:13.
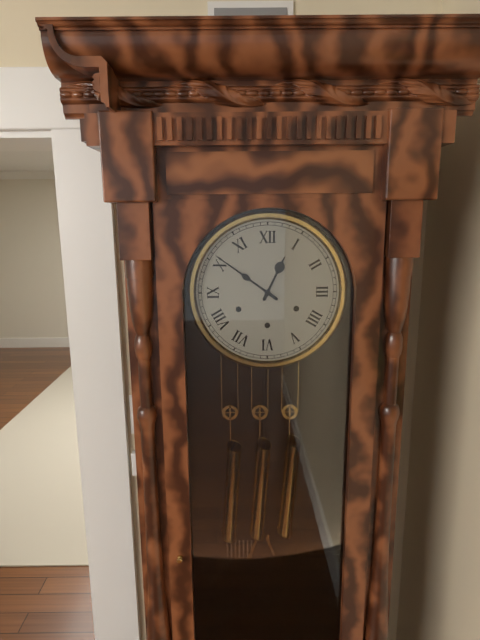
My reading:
12:51
